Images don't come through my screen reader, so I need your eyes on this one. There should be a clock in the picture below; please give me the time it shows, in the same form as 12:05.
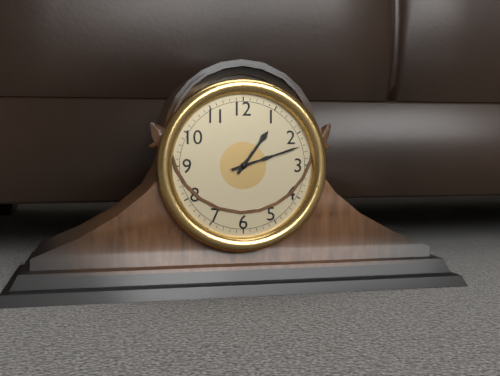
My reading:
1:12
